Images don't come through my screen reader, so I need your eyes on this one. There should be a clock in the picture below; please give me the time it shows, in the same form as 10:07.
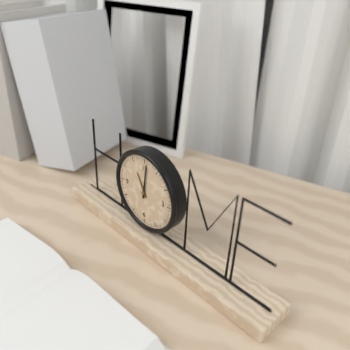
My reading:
11:01
